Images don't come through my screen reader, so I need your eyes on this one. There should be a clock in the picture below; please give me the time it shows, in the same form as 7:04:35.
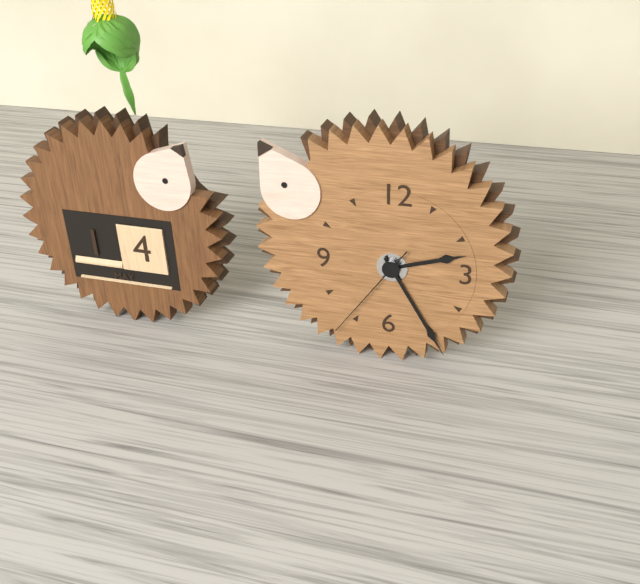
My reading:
2:25:36
